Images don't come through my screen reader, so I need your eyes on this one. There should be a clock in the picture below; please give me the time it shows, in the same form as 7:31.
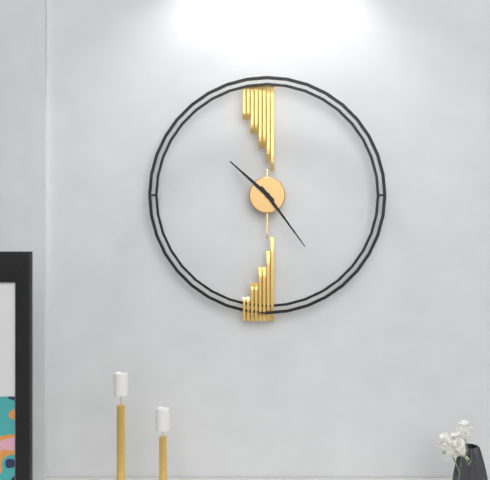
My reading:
10:24
